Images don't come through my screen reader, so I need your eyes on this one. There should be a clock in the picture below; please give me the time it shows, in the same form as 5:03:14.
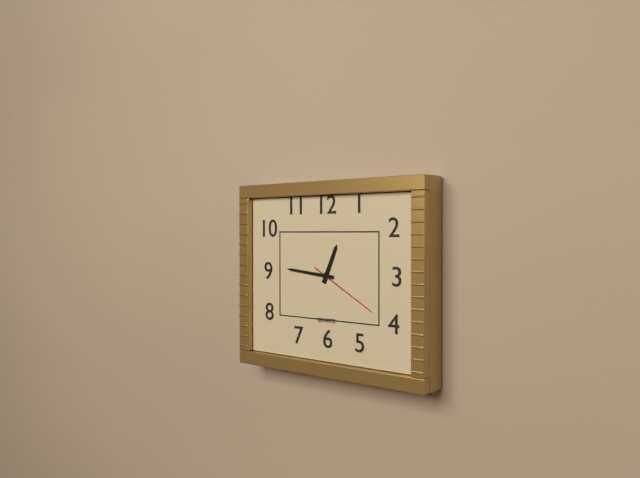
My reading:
12:46:20
